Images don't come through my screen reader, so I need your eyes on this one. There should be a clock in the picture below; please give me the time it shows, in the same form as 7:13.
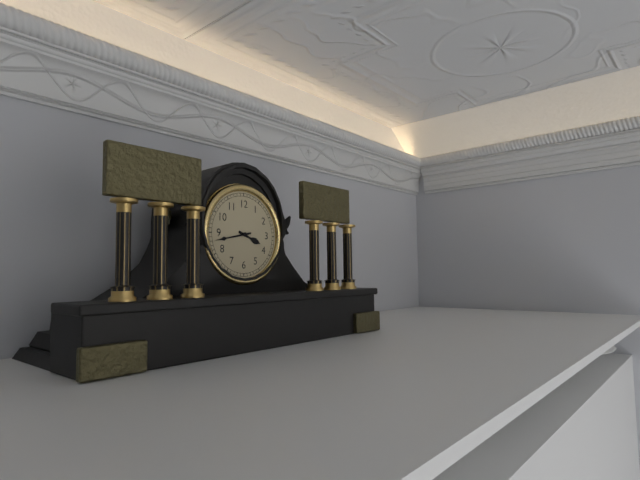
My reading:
3:43
